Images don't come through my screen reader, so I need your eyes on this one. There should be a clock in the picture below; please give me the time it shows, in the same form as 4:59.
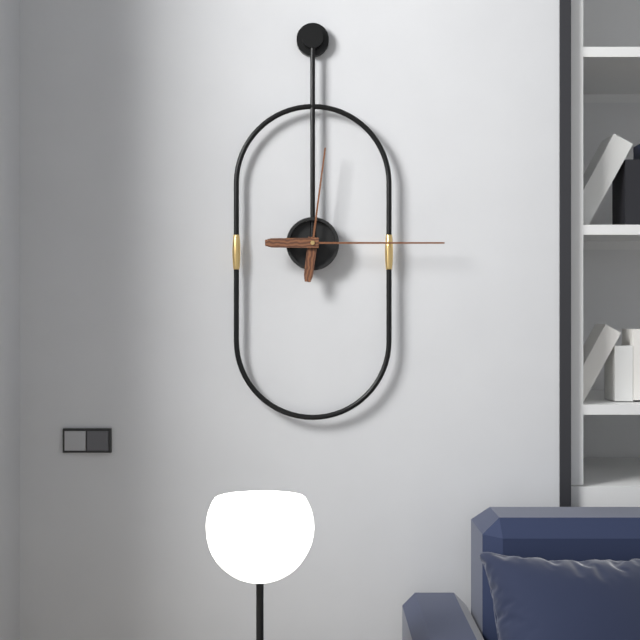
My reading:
12:15
